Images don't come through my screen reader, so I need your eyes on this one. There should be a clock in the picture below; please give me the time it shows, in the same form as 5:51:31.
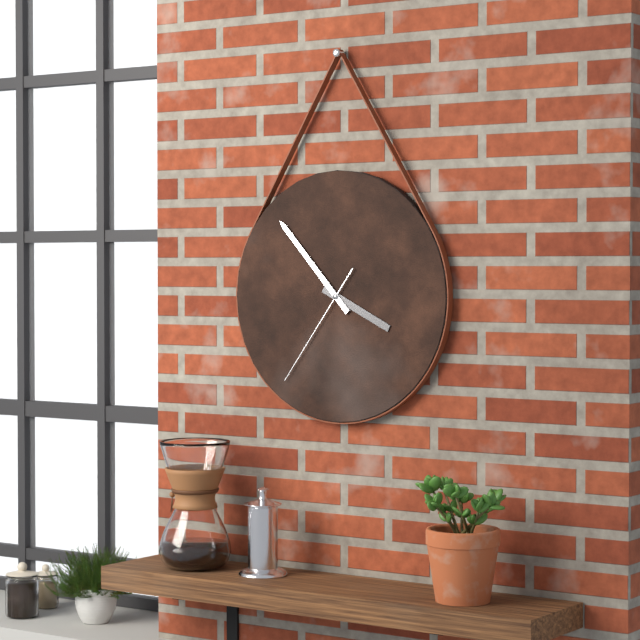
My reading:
3:53:36
